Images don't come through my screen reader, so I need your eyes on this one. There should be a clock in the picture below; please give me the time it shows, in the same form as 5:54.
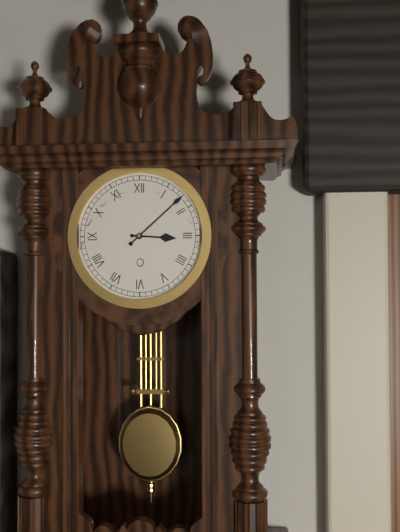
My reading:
3:08
